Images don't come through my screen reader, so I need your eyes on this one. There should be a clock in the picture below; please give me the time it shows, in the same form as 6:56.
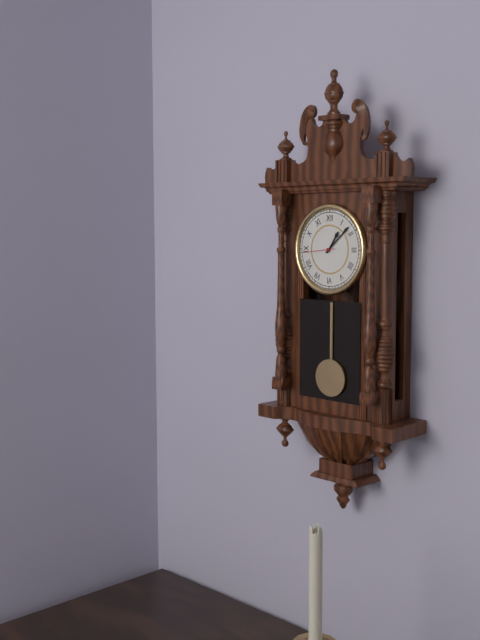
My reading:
1:08
